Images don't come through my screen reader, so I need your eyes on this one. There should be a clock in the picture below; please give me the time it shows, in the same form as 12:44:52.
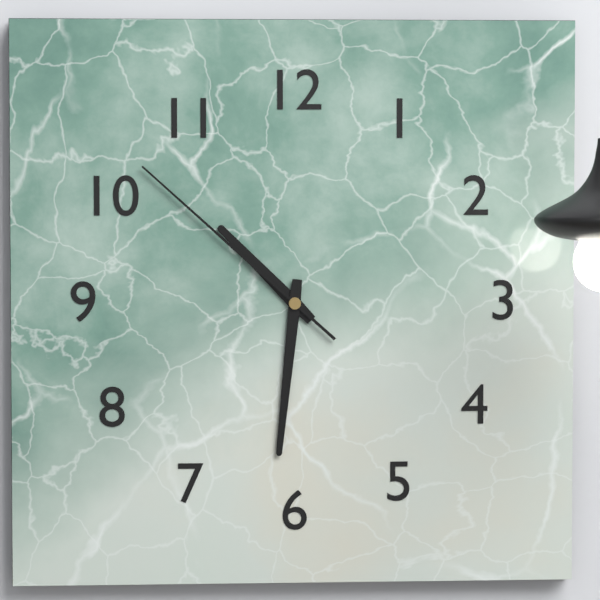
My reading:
10:31:52
